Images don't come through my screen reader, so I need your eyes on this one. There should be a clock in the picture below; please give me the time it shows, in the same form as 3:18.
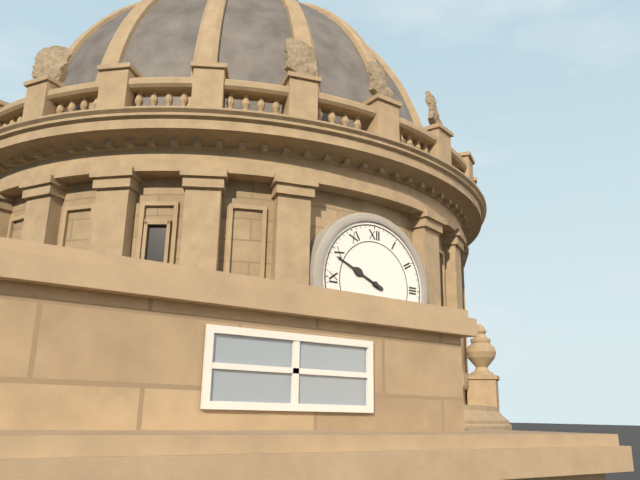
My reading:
9:49
